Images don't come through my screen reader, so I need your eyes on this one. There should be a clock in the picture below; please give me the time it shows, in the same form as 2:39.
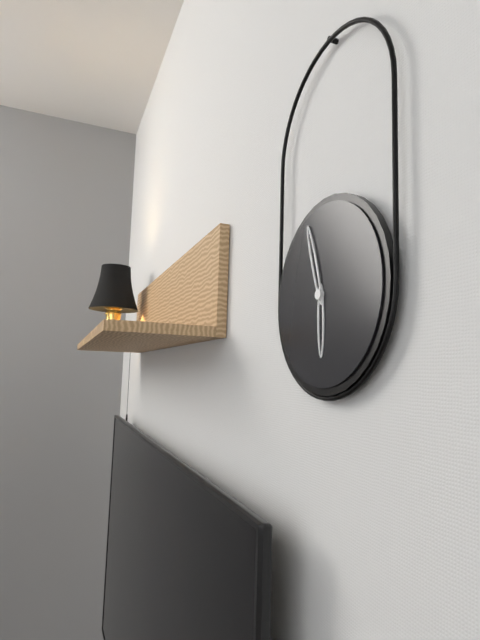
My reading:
5:57
